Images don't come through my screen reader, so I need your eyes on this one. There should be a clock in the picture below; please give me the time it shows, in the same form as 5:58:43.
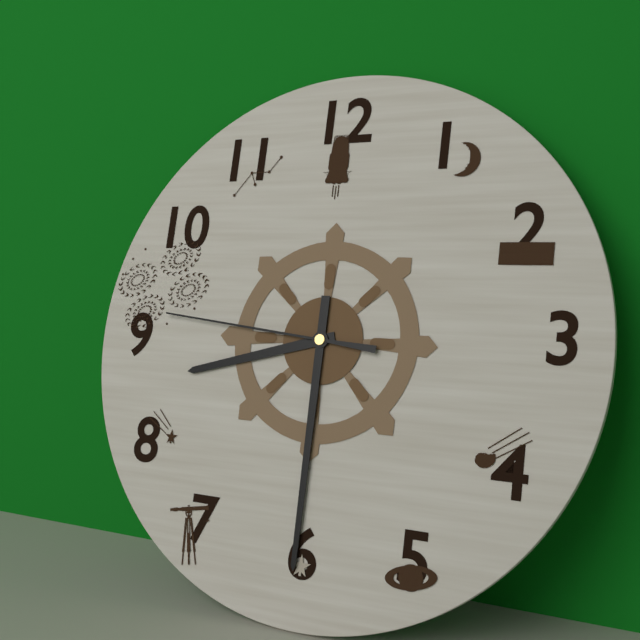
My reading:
8:30:46
